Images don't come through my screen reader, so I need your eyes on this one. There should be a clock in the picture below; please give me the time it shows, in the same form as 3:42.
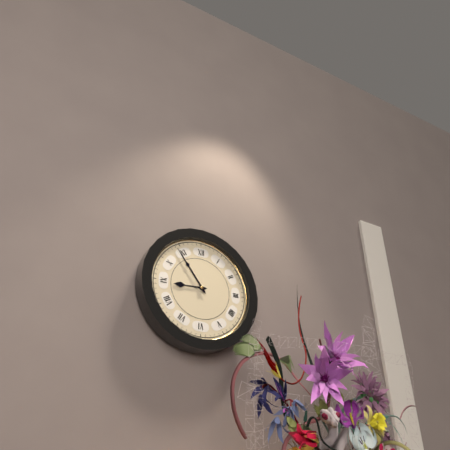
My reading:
8:54
